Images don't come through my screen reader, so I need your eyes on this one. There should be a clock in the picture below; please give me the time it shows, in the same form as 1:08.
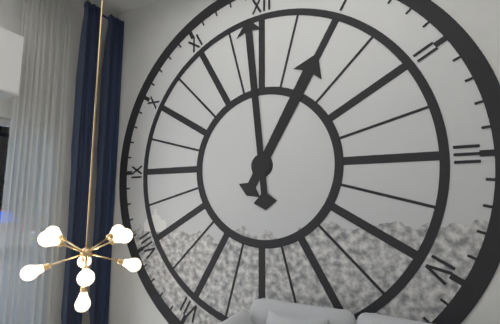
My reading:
12:59
